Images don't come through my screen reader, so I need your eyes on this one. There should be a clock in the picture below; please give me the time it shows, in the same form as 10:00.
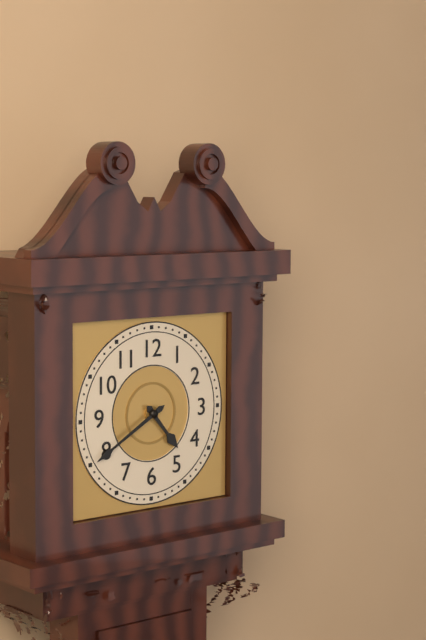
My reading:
4:40
